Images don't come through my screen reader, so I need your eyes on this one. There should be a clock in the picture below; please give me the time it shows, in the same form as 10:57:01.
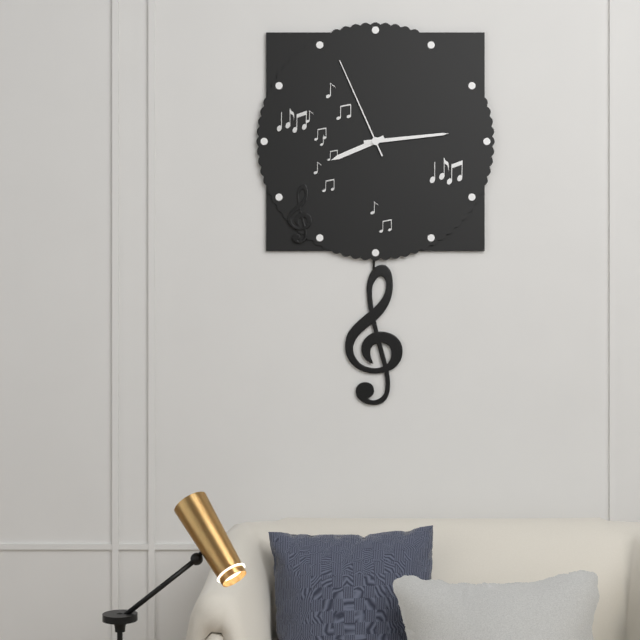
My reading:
8:14:56
